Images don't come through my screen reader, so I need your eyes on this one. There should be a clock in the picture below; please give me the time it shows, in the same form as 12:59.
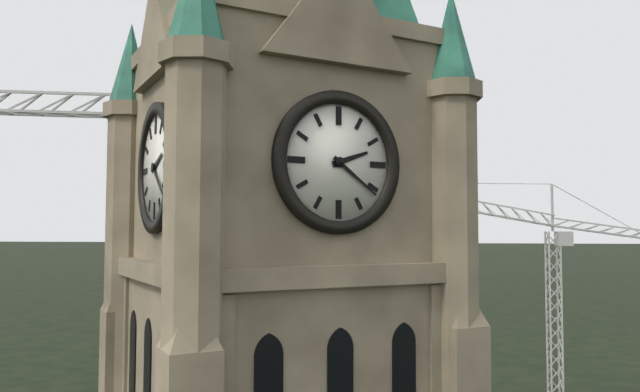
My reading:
2:21
